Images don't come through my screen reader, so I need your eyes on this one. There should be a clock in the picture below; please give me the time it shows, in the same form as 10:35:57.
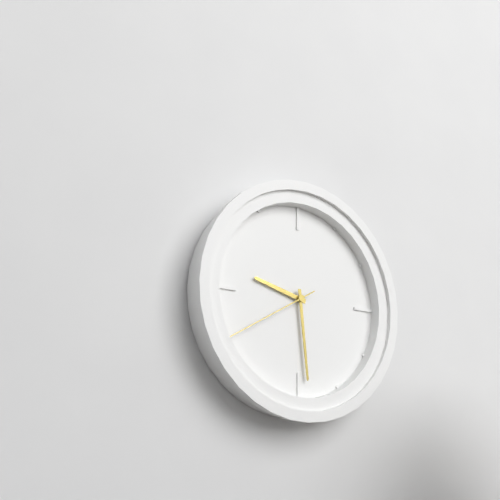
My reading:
9:29:40
